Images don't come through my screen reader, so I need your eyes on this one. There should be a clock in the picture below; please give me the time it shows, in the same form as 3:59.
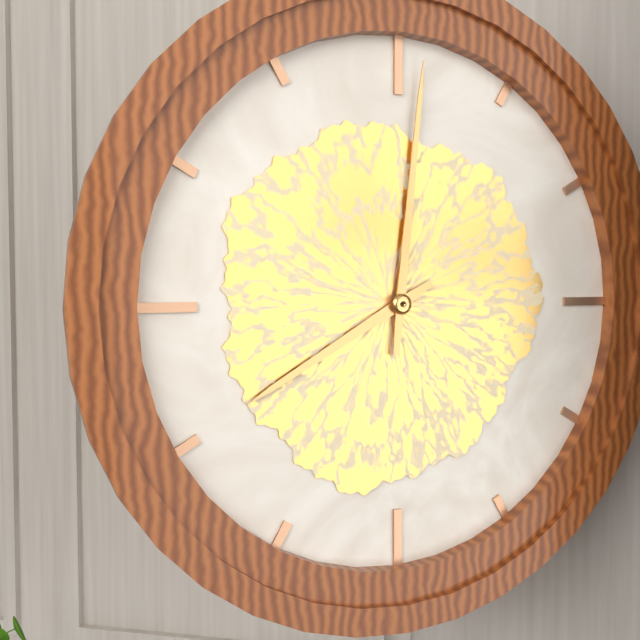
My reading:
8:01
